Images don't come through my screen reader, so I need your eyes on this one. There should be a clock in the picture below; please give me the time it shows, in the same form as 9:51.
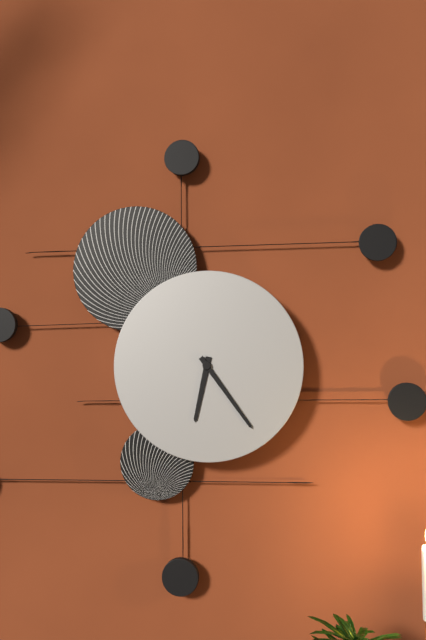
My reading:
6:24
